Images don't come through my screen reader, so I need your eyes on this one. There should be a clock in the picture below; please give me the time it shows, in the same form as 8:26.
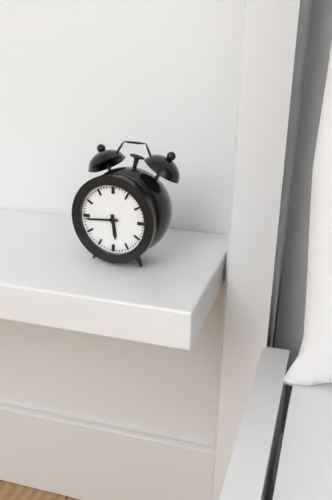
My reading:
5:44
